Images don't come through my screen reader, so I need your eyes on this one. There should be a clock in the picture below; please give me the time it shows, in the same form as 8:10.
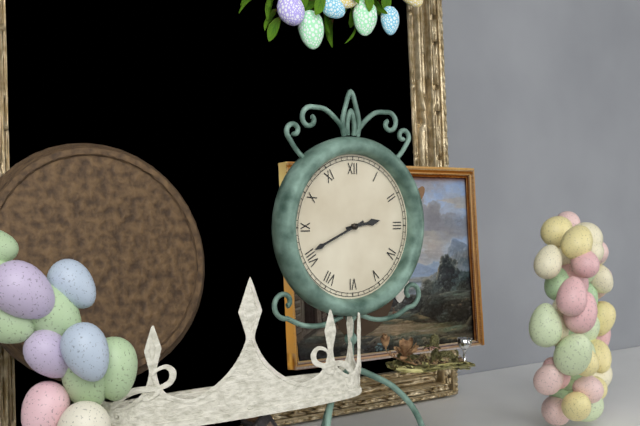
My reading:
2:41
